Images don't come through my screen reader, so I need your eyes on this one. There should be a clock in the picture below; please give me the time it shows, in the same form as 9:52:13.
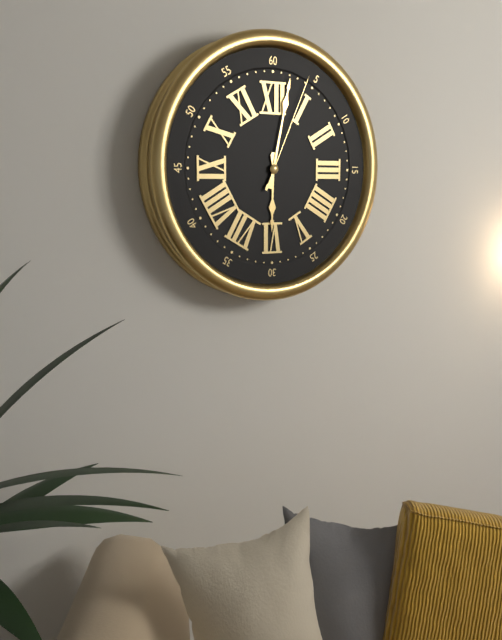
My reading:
6:02:04
